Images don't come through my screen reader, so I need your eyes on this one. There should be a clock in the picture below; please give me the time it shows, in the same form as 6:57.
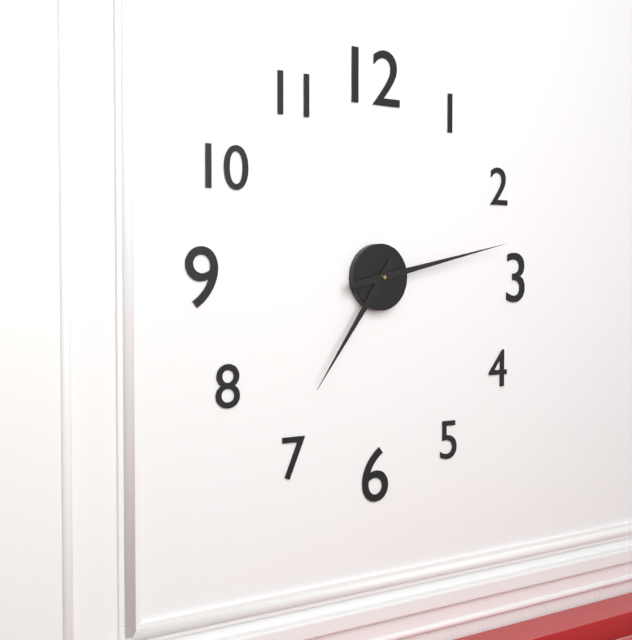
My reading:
7:13
